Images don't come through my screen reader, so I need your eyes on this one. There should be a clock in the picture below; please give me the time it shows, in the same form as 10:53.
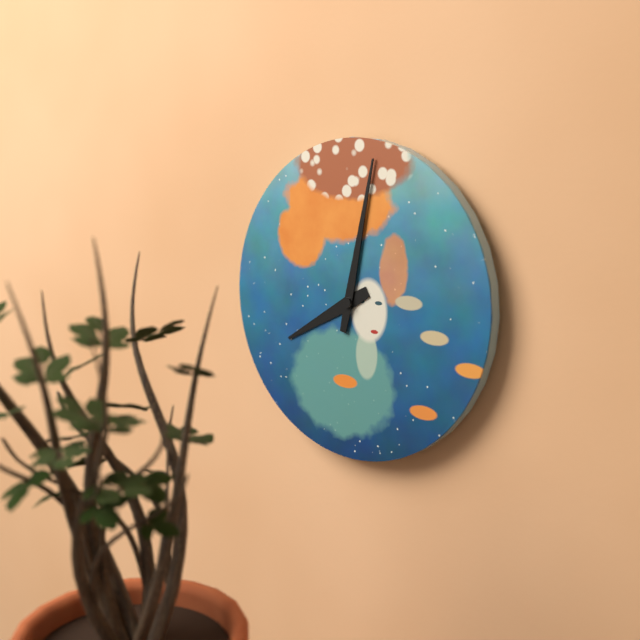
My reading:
8:02
